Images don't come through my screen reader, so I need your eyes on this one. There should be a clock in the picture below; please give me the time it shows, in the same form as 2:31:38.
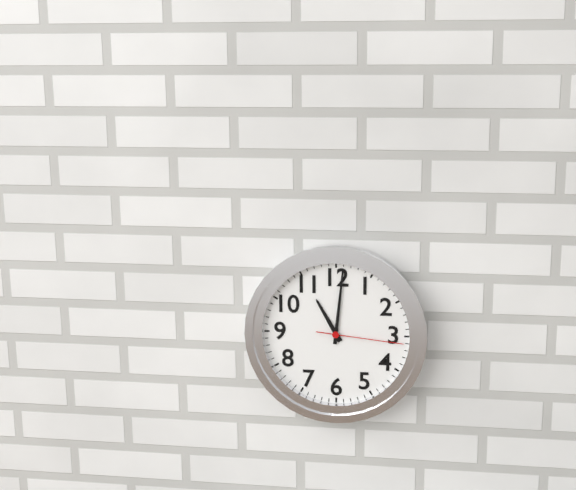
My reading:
11:01:16
